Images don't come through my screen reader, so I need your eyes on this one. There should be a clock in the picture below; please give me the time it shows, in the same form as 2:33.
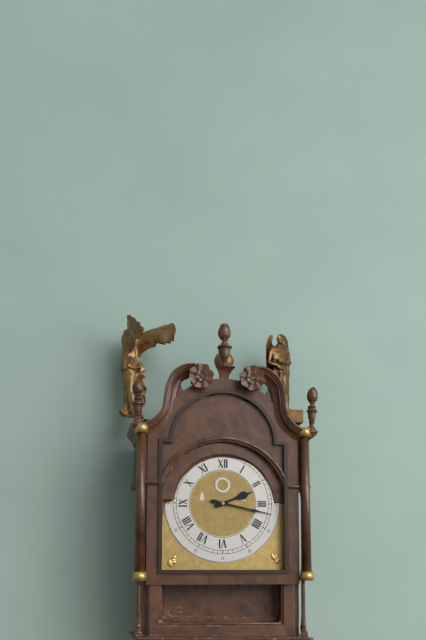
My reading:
2:17
